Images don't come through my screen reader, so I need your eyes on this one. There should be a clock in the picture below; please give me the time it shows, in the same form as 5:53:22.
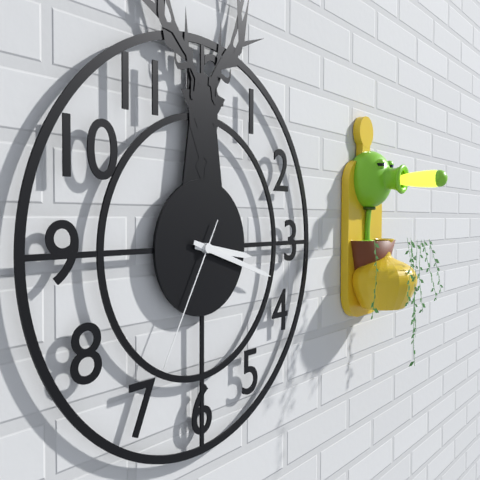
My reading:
3:18:35
